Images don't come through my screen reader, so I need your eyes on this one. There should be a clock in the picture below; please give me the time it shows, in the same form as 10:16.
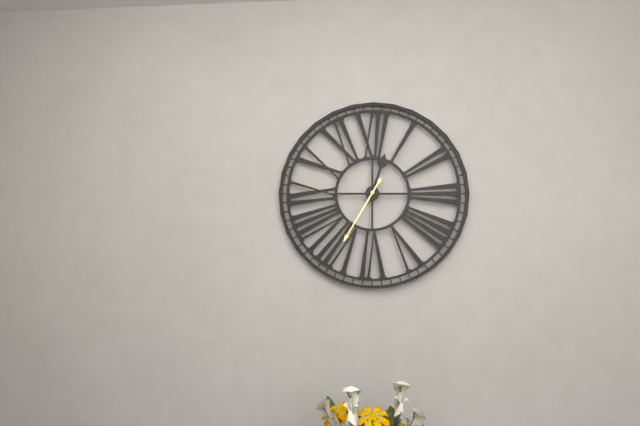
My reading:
12:35
